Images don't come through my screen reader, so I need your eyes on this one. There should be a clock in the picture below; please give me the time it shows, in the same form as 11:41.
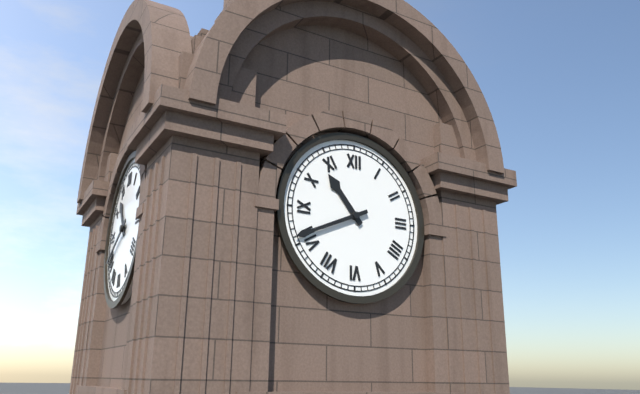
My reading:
10:41
